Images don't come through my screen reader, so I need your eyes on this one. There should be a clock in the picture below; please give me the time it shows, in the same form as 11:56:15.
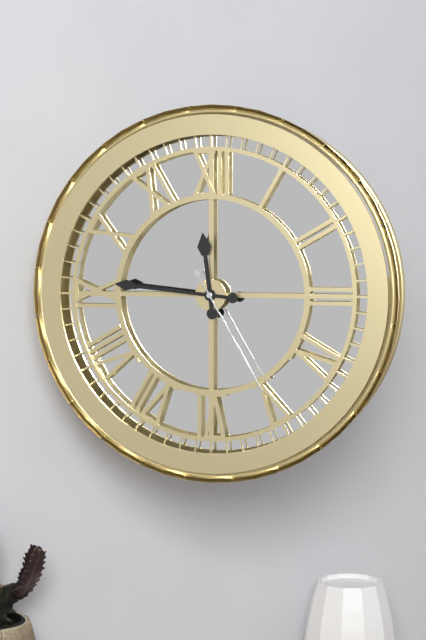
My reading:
11:46:25
